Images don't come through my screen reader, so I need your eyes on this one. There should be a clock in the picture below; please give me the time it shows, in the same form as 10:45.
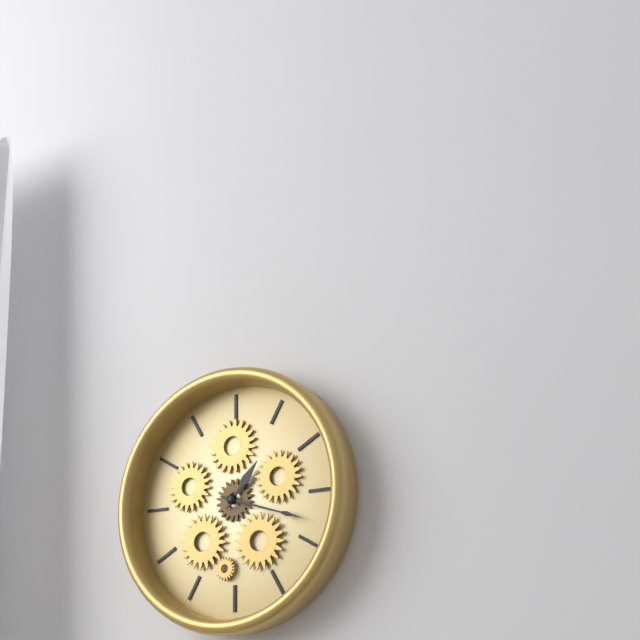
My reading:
1:18
